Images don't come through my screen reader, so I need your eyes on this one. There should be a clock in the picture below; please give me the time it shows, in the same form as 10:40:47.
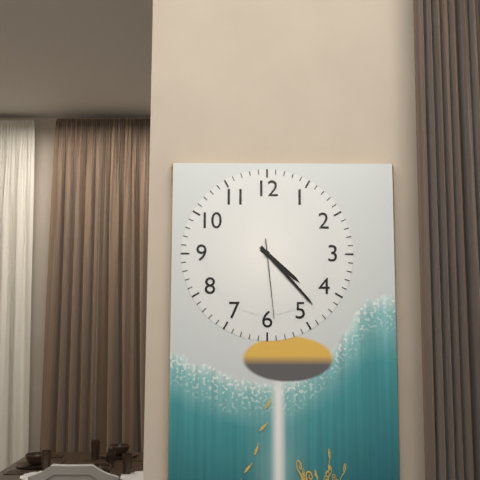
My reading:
4:23:29
